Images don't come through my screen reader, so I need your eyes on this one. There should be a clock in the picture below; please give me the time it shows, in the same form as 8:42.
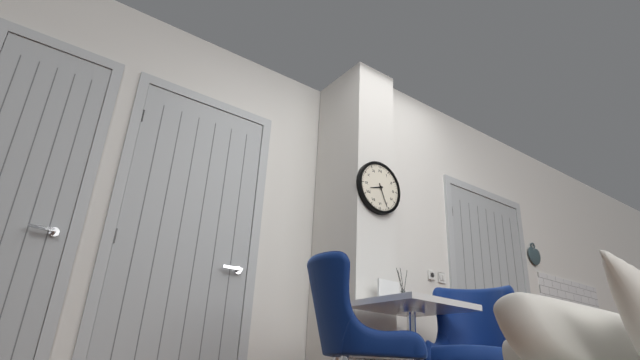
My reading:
8:26
